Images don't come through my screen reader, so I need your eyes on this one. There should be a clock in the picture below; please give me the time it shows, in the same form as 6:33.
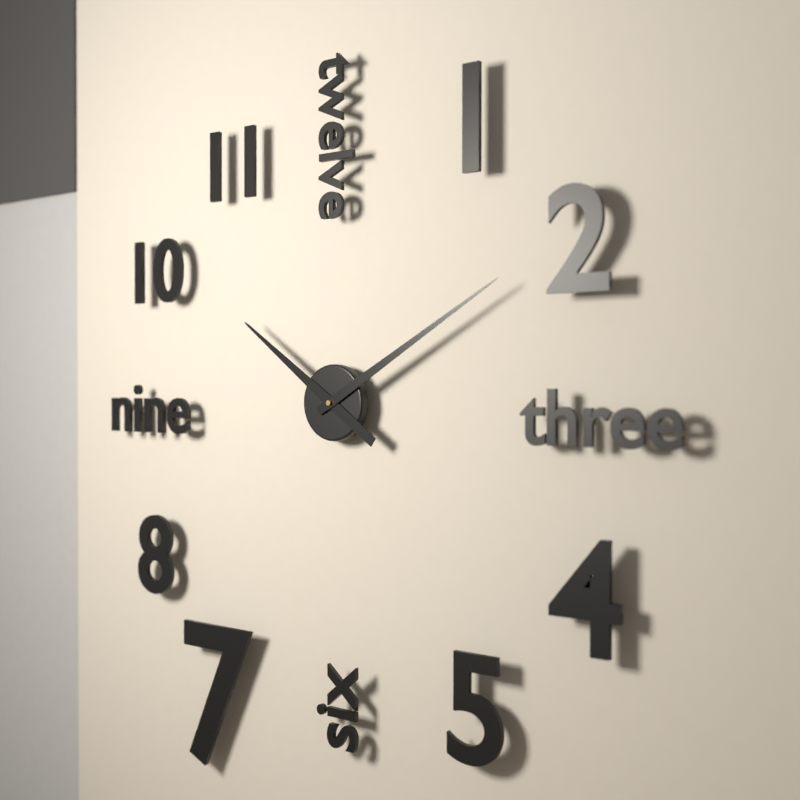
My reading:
10:10
